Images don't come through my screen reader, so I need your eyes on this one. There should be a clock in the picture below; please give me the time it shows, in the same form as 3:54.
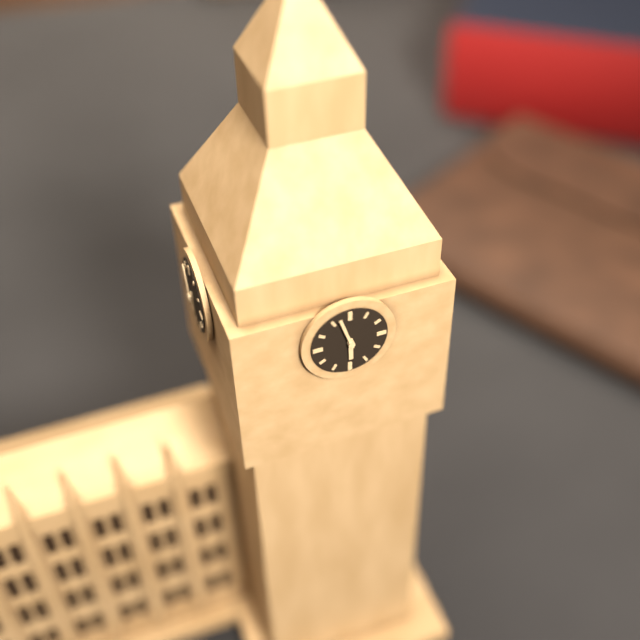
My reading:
5:57
